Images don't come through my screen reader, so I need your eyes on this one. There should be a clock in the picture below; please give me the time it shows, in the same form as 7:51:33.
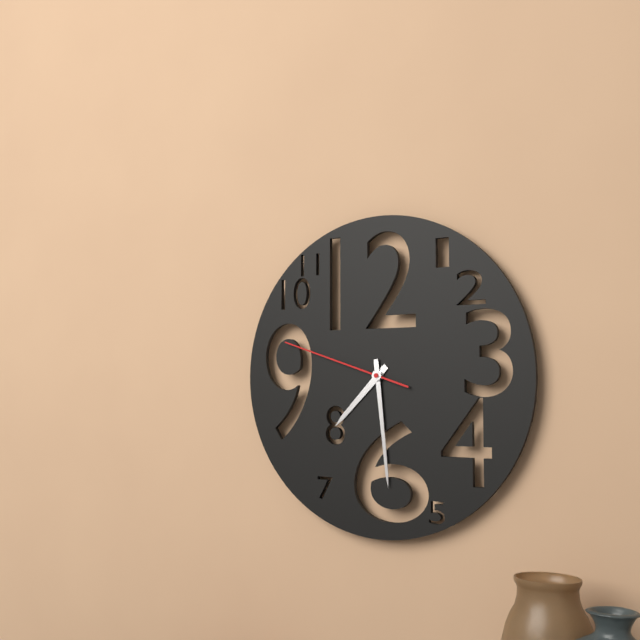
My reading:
7:29:48
